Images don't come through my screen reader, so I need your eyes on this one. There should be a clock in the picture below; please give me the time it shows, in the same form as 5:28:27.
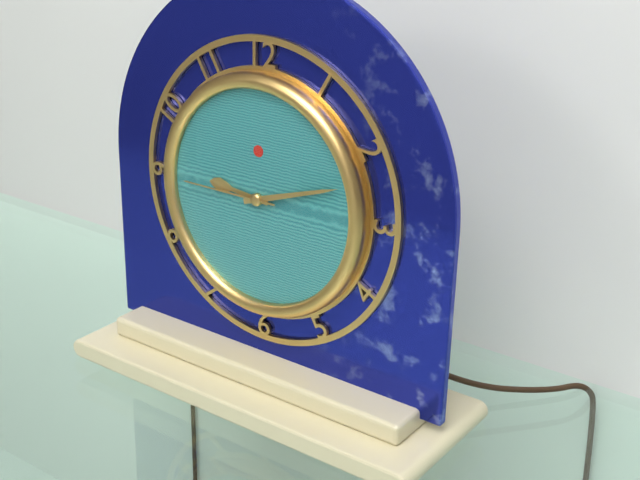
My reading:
9:12:45
